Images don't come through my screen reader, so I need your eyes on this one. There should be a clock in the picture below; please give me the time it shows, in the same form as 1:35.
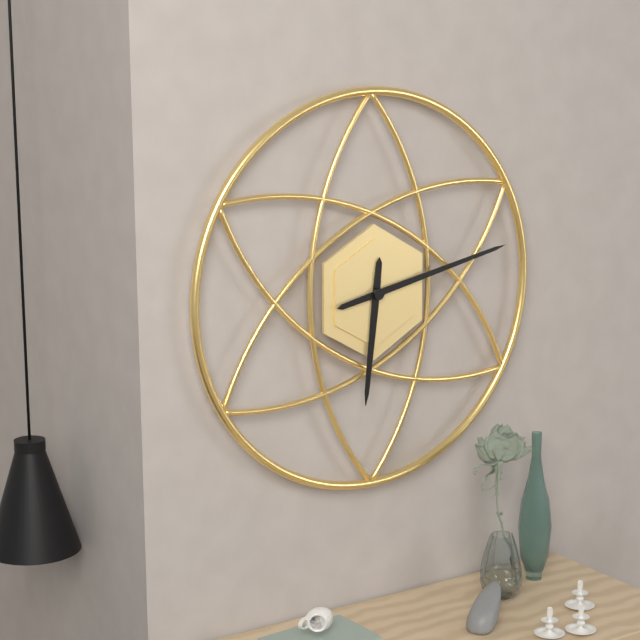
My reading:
6:13
